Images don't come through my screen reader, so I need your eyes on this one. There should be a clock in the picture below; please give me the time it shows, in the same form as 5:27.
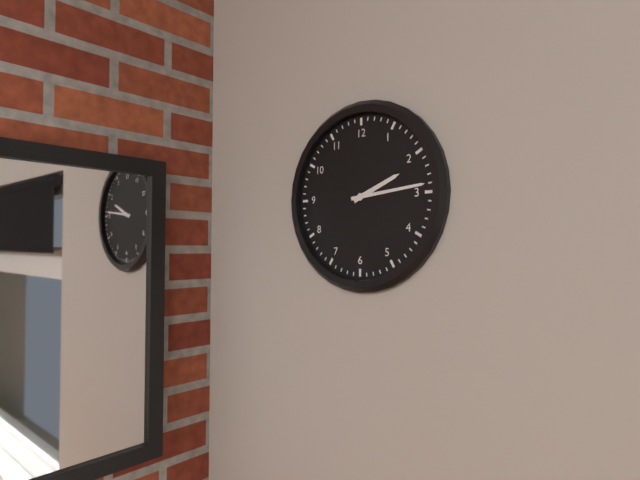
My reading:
2:14
